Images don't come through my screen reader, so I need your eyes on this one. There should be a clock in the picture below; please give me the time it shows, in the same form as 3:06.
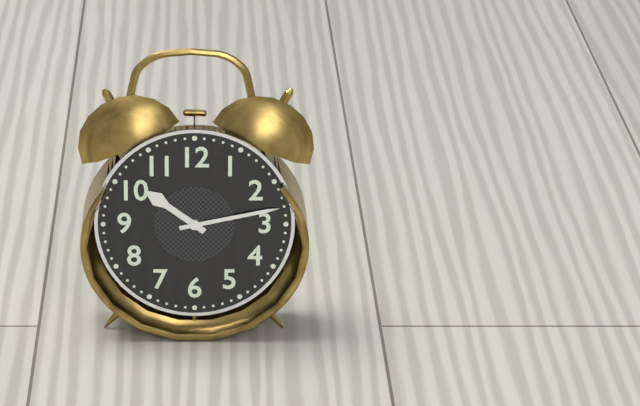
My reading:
10:13
